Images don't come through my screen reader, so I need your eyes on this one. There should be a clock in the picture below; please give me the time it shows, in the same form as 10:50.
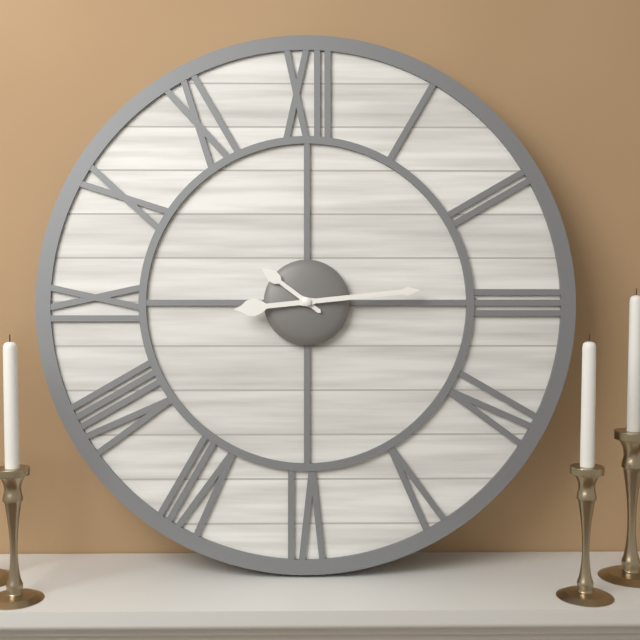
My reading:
10:14
